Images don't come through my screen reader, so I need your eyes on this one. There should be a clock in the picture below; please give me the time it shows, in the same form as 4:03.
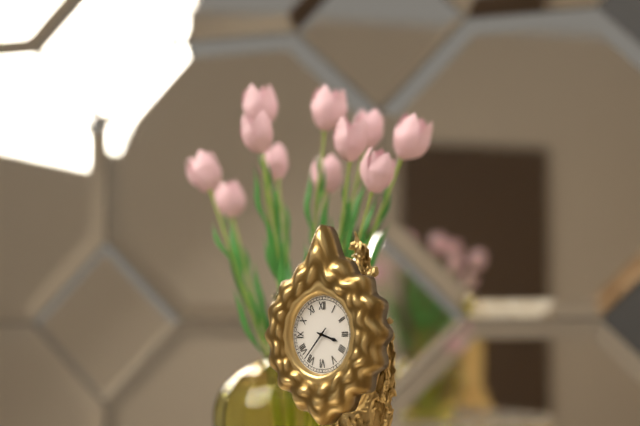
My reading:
3:37
